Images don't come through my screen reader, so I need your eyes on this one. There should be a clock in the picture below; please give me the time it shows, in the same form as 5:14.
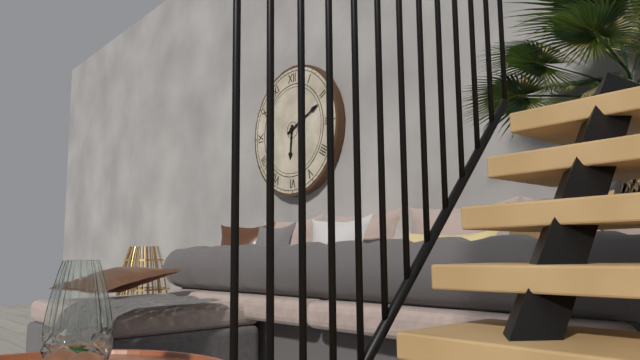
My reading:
6:11
